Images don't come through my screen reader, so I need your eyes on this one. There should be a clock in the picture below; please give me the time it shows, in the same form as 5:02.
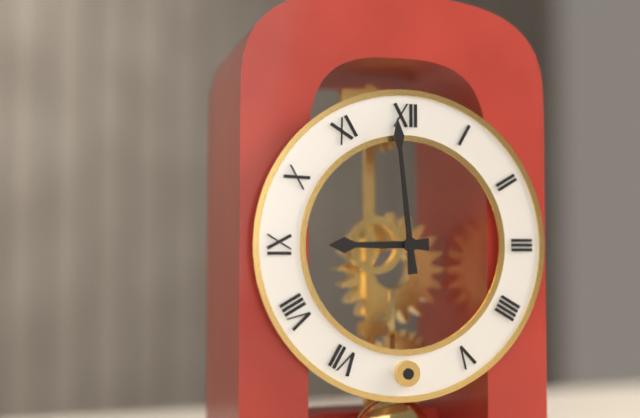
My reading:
8:59
